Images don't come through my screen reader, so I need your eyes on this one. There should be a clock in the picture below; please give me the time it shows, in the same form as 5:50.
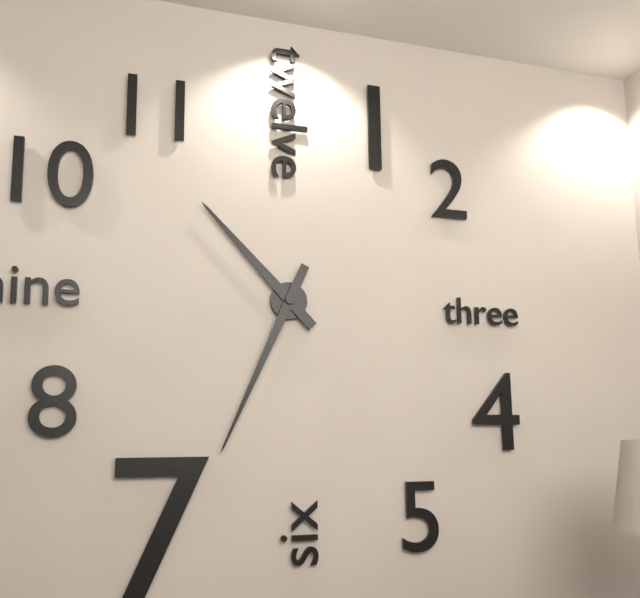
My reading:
10:34
